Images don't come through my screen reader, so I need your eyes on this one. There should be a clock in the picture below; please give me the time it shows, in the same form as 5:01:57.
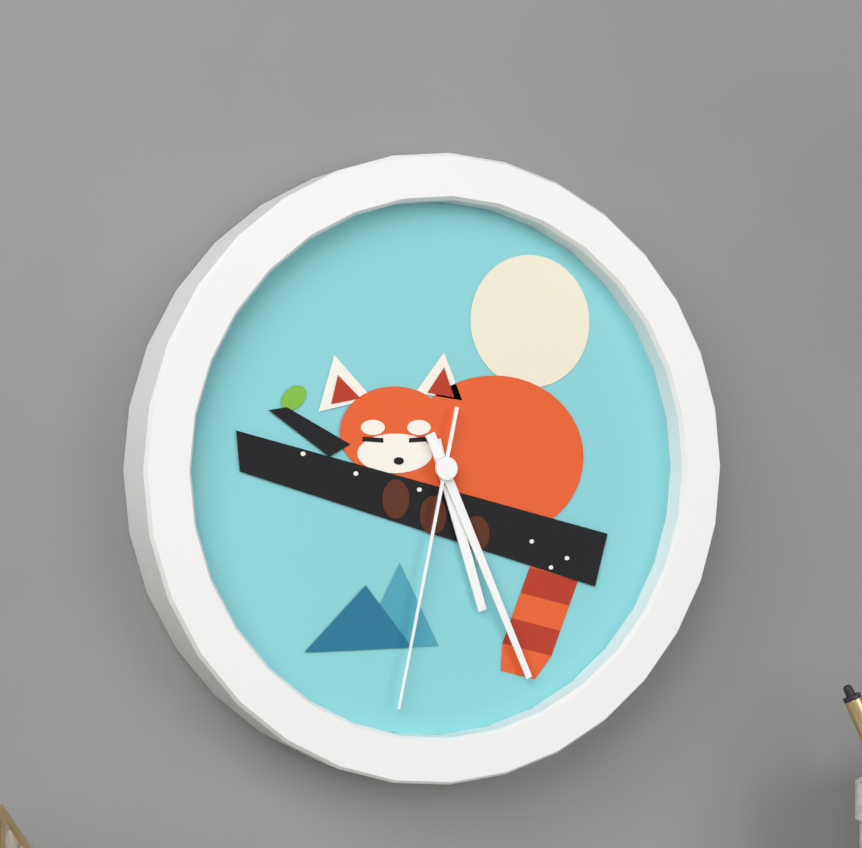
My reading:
5:26:32
